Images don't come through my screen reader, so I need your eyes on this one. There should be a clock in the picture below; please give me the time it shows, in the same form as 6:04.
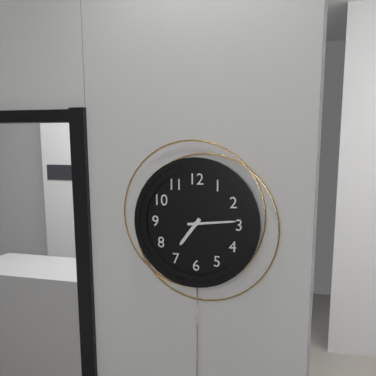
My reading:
7:14
